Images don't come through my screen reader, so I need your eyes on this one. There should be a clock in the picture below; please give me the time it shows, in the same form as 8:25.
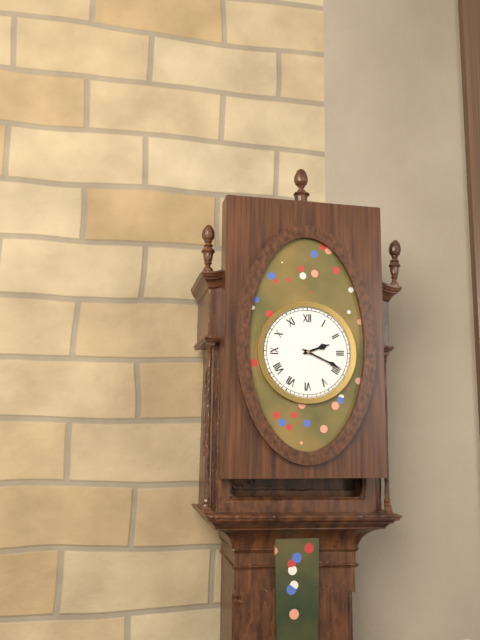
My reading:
2:19
